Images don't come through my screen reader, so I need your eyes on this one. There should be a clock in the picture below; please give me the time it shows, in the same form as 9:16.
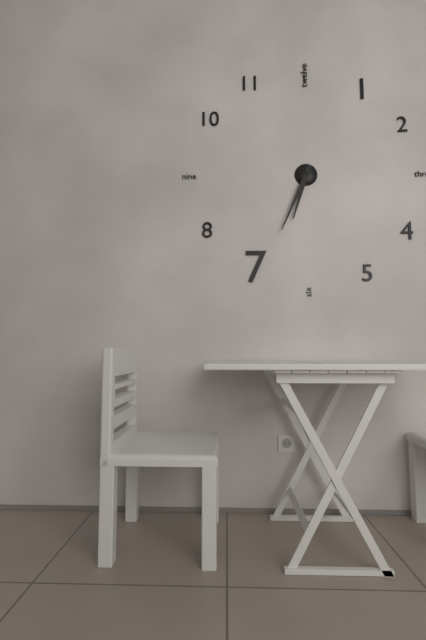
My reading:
6:34
